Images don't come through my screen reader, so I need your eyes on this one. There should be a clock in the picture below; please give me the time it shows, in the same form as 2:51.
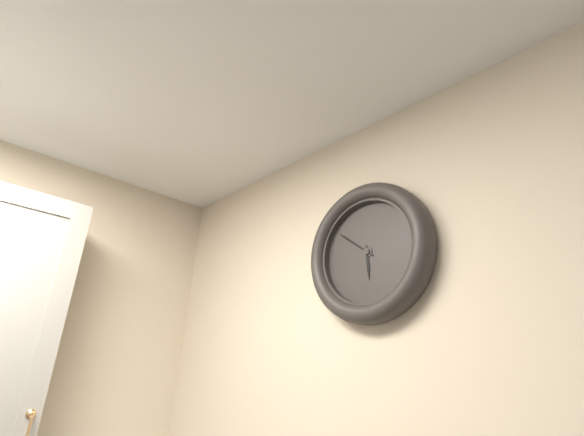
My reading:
5:51
